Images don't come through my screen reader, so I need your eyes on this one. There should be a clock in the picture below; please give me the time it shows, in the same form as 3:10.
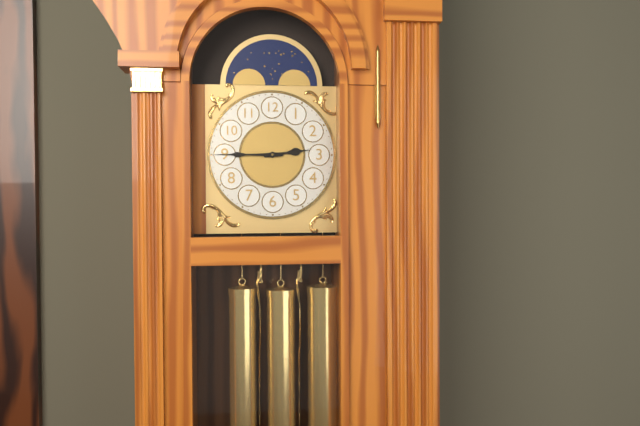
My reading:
2:45
